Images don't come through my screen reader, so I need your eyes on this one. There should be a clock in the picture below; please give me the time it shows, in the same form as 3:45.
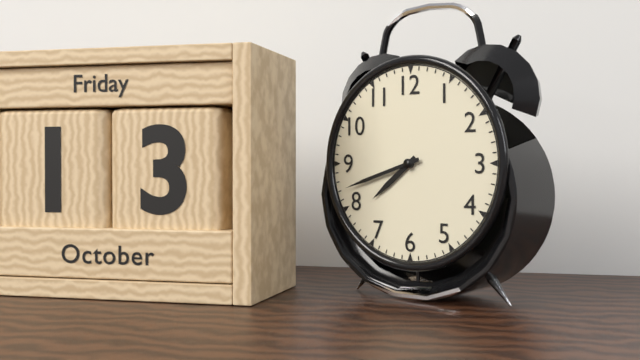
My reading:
7:42
